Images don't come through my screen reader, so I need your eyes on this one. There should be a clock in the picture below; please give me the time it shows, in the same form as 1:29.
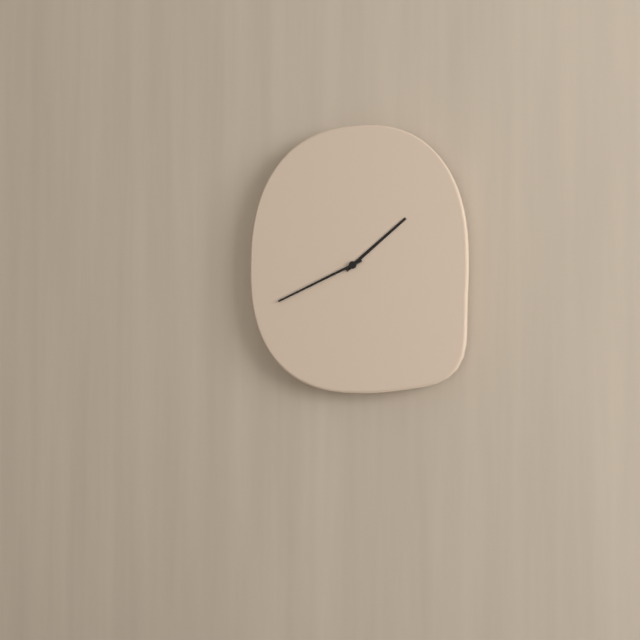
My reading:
1:41
